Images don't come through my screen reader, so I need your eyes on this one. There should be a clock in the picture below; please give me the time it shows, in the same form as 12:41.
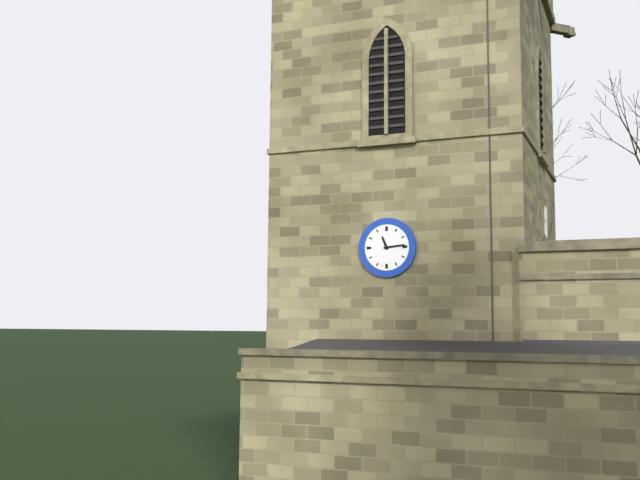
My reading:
11:14
